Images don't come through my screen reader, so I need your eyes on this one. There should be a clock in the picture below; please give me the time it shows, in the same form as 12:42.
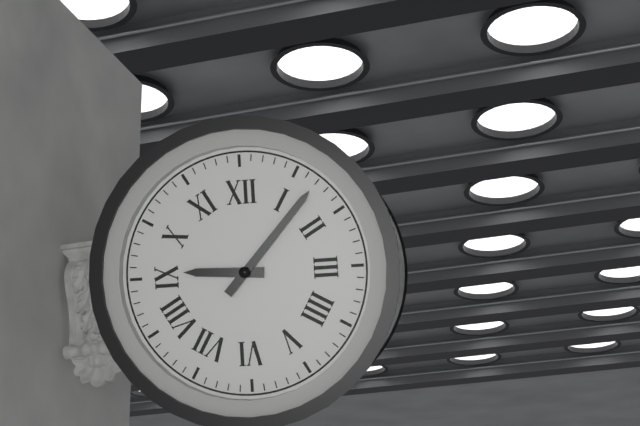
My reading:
9:07
